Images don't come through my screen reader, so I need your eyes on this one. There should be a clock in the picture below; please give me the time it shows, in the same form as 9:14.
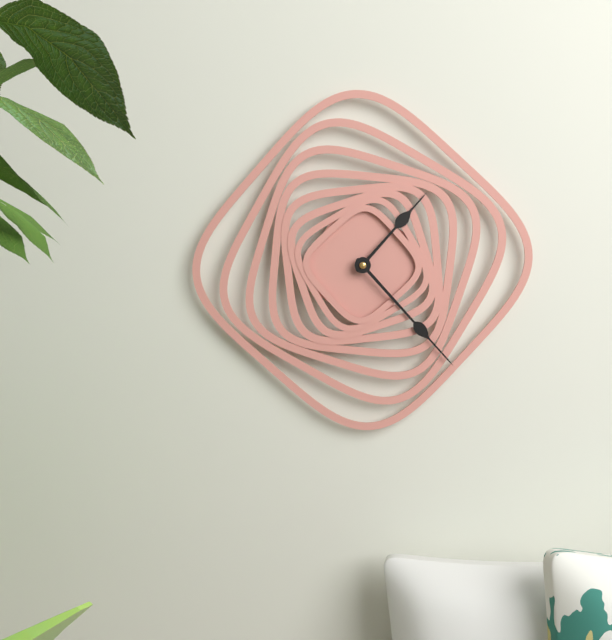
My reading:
1:23
